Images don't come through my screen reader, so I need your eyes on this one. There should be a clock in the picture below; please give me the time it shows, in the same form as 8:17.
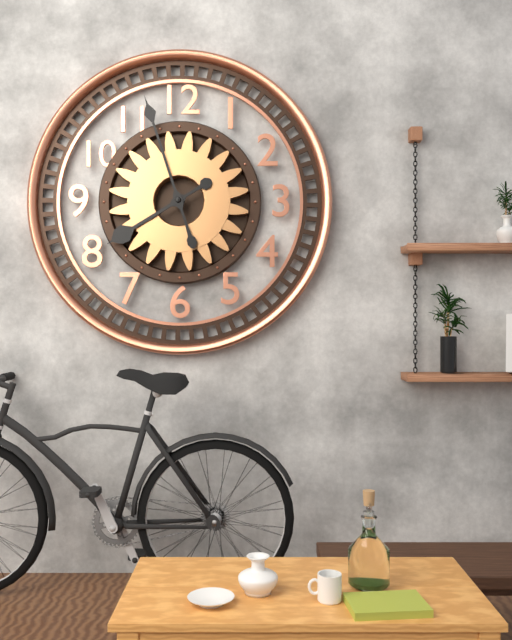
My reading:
7:57
